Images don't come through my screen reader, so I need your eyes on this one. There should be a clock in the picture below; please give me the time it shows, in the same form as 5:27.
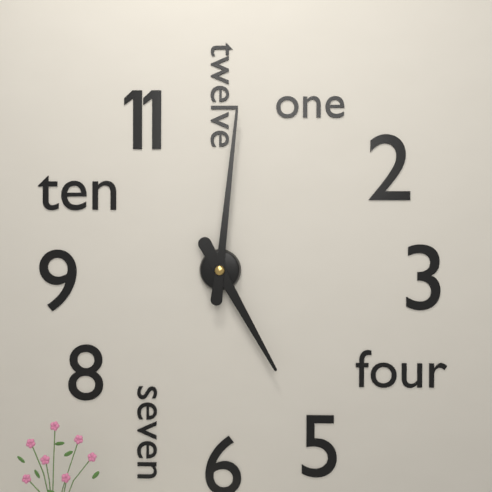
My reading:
5:01
